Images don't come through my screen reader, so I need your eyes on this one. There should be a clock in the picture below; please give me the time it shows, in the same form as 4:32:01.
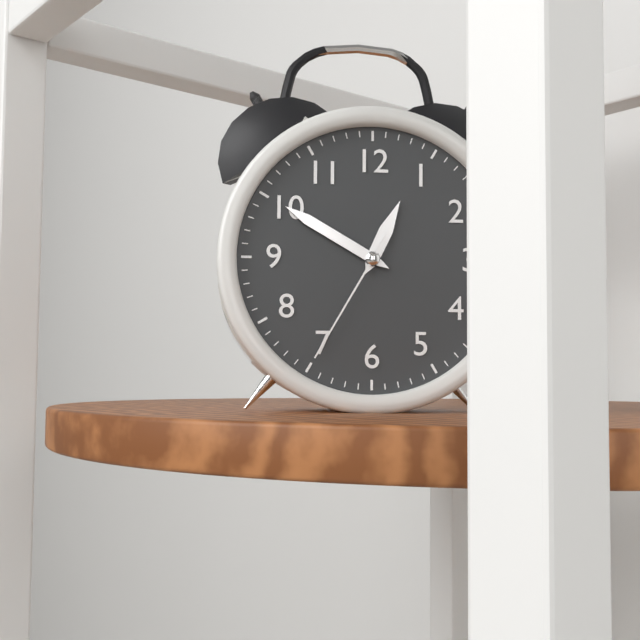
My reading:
12:50:35
